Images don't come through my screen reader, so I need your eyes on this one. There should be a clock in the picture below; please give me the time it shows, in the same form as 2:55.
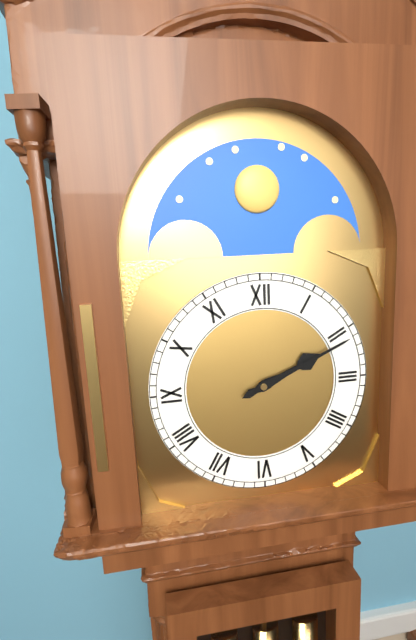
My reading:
2:11
